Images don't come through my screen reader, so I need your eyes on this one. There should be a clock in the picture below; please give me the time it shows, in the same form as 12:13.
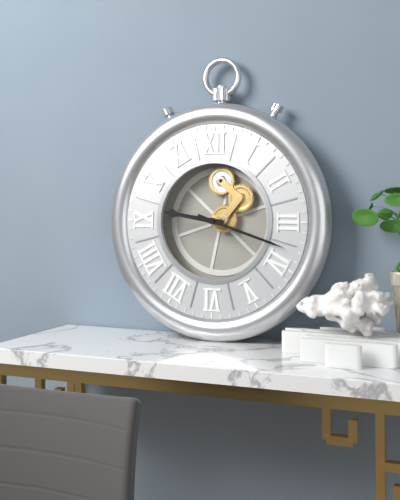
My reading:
9:18
